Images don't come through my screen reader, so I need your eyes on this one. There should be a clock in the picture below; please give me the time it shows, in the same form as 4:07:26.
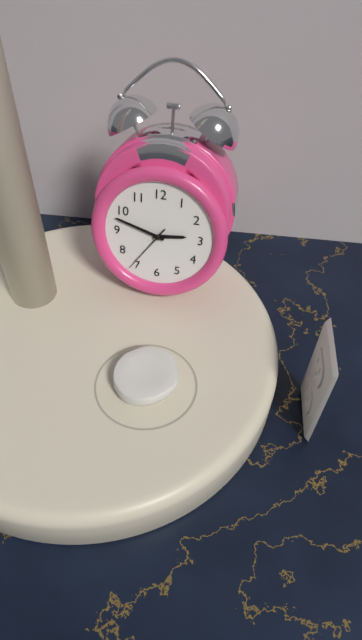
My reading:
2:48:36
